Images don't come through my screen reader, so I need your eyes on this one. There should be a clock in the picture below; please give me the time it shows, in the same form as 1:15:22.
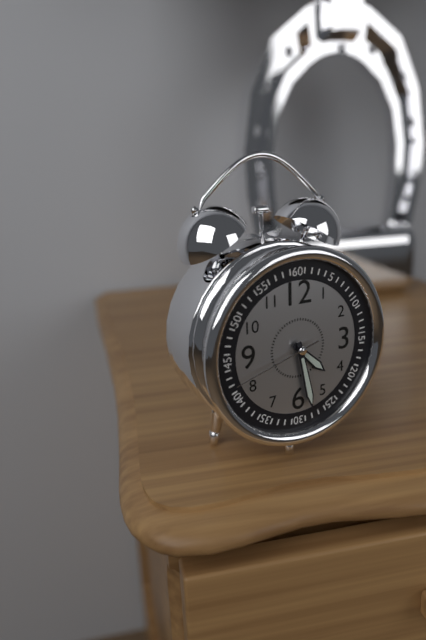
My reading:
4:28:42
